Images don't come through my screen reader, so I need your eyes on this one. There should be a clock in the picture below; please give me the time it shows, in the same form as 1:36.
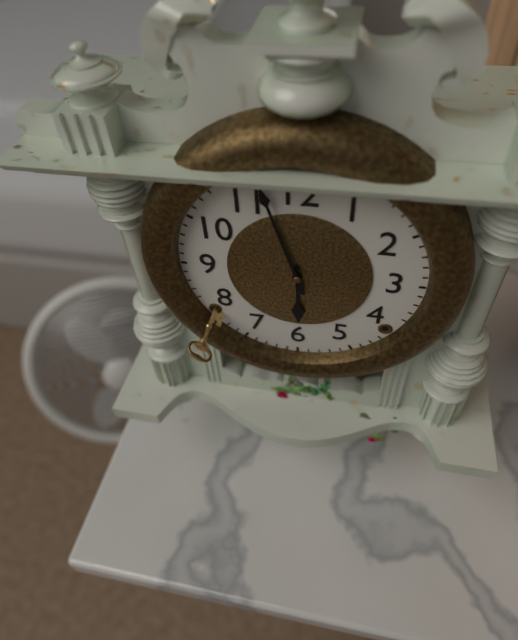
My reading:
5:57
